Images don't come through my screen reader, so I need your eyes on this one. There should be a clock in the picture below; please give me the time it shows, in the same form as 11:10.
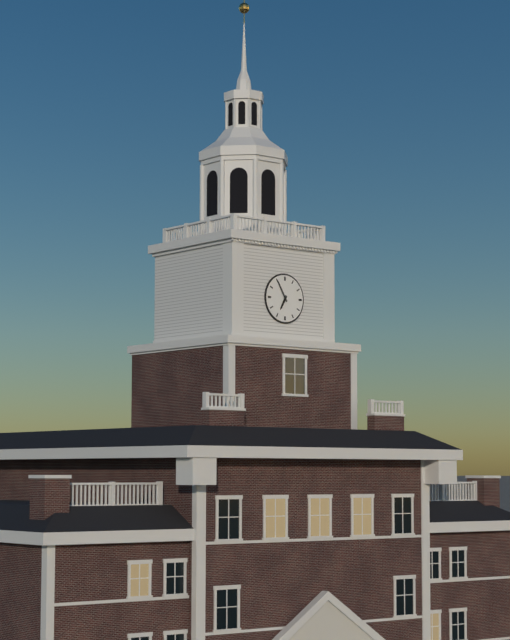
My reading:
6:55
